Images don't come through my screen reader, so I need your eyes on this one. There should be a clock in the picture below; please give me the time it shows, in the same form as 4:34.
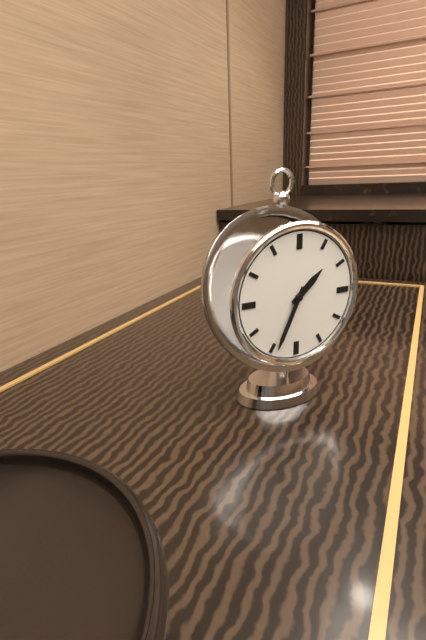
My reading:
1:34
